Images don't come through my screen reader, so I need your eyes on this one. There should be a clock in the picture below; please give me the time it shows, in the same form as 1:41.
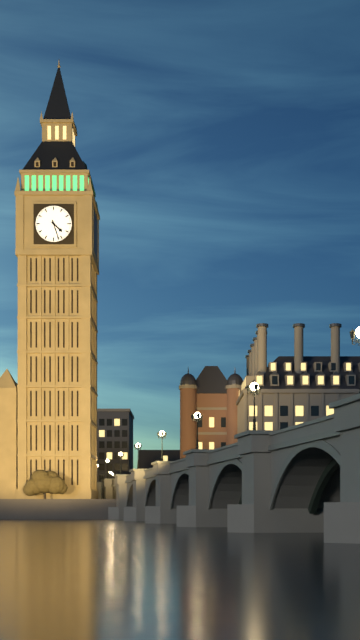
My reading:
4:27
